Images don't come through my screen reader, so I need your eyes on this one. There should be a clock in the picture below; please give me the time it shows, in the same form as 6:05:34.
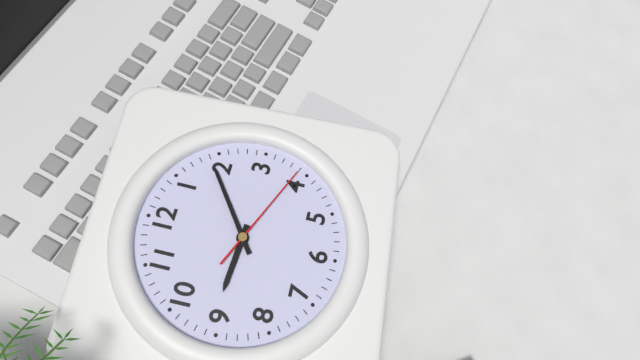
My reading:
9:09:19
